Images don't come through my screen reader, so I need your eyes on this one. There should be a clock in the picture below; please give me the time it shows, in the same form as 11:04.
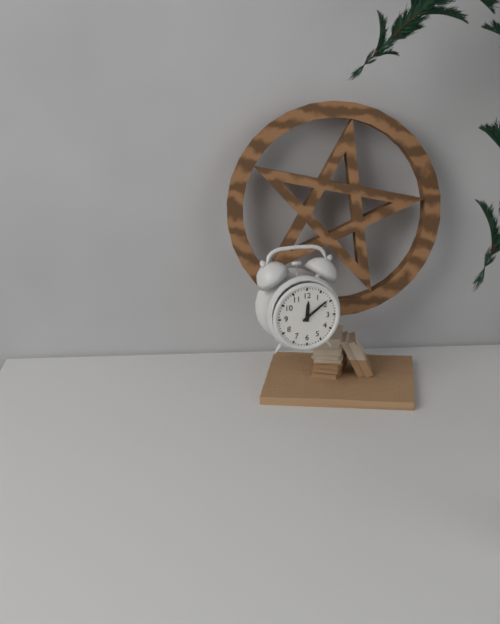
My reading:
12:09
